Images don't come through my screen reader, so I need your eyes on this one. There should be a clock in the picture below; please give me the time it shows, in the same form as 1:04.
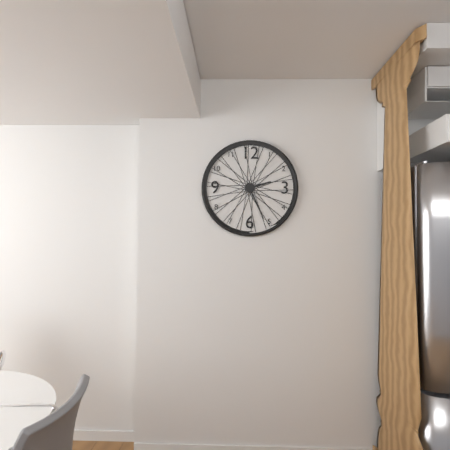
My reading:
2:26
